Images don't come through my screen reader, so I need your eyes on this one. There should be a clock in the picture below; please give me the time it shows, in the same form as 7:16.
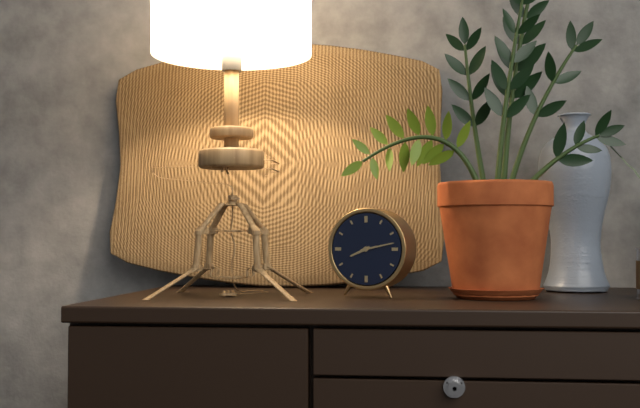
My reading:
8:13
